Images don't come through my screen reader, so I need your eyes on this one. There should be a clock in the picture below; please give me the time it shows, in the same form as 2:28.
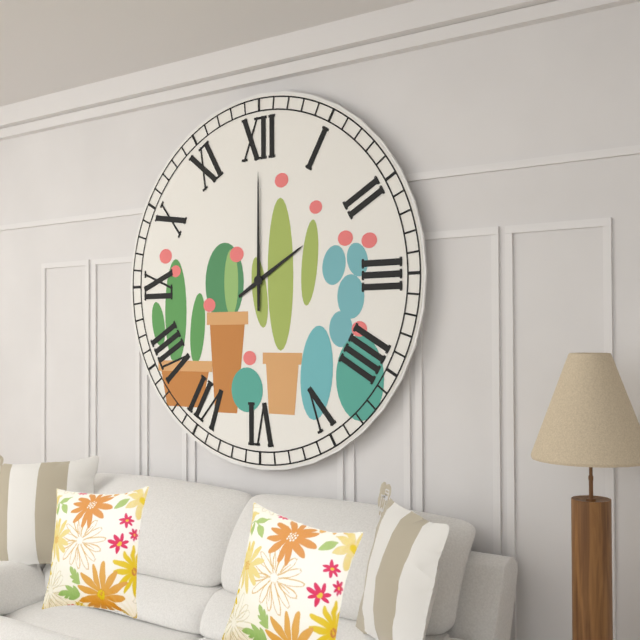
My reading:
2:00
